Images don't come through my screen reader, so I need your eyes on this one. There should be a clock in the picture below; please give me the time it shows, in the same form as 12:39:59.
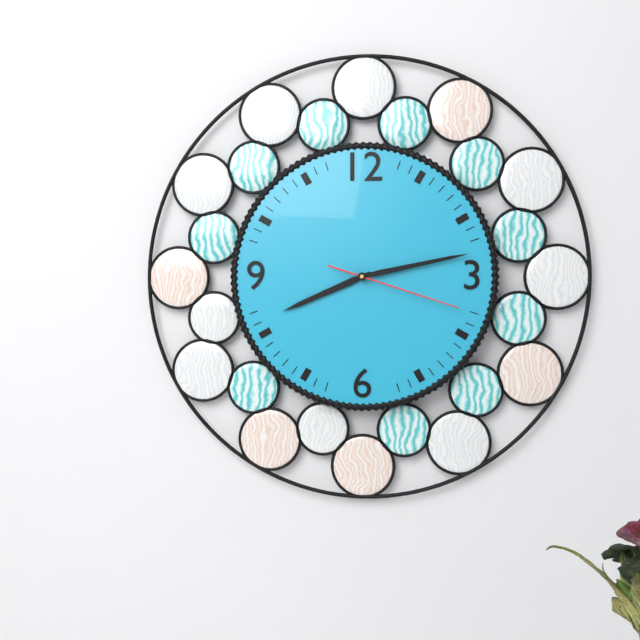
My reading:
8:13:18
